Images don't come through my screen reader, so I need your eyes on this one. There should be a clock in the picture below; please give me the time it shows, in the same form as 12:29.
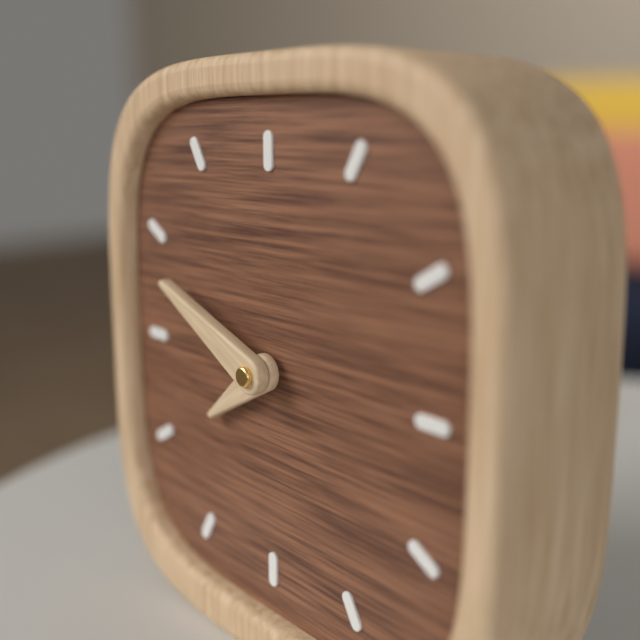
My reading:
7:49
